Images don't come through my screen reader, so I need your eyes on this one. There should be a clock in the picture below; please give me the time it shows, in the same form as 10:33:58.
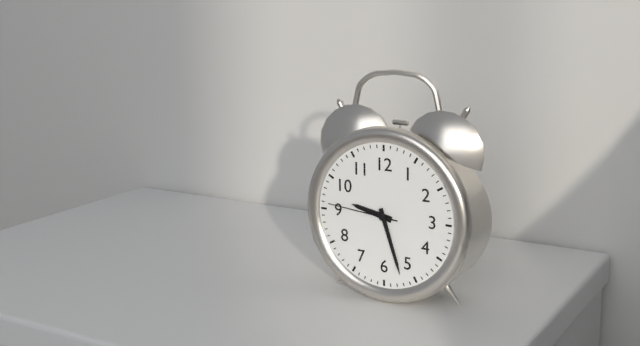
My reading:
9:27:46
